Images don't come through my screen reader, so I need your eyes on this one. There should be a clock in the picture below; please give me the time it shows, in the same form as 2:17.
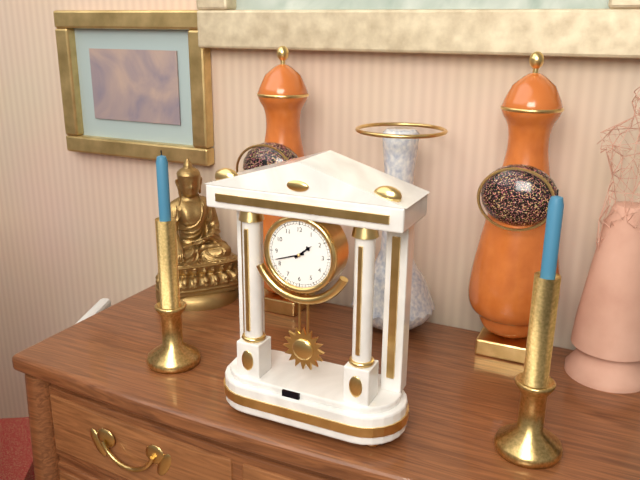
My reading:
1:42
